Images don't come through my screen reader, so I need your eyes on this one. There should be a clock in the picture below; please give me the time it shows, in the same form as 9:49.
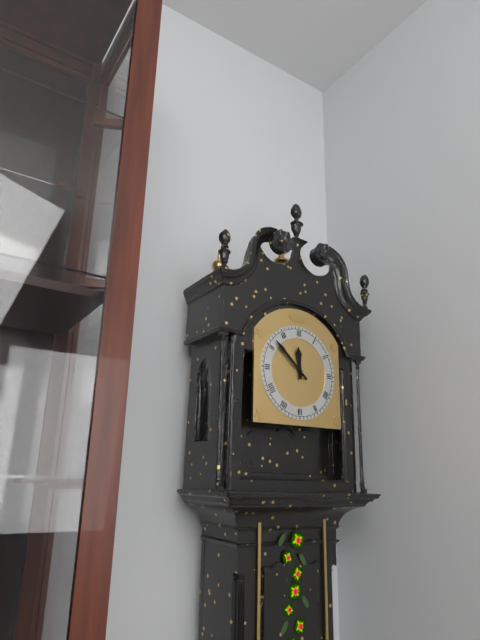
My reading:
11:52
